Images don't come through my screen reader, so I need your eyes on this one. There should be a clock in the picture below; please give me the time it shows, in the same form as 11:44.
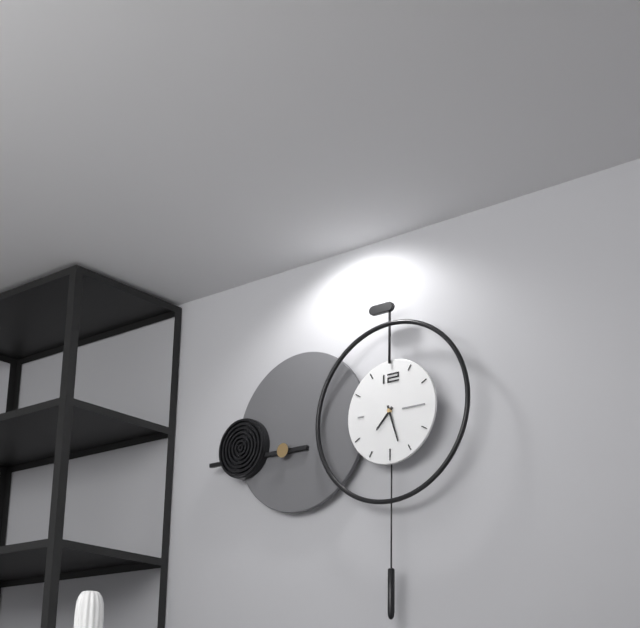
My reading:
7:27
